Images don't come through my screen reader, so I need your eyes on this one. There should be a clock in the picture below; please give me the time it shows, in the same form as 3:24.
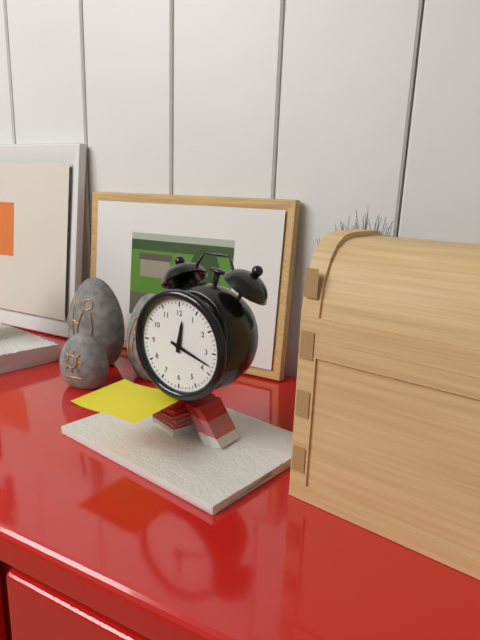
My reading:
12:18
